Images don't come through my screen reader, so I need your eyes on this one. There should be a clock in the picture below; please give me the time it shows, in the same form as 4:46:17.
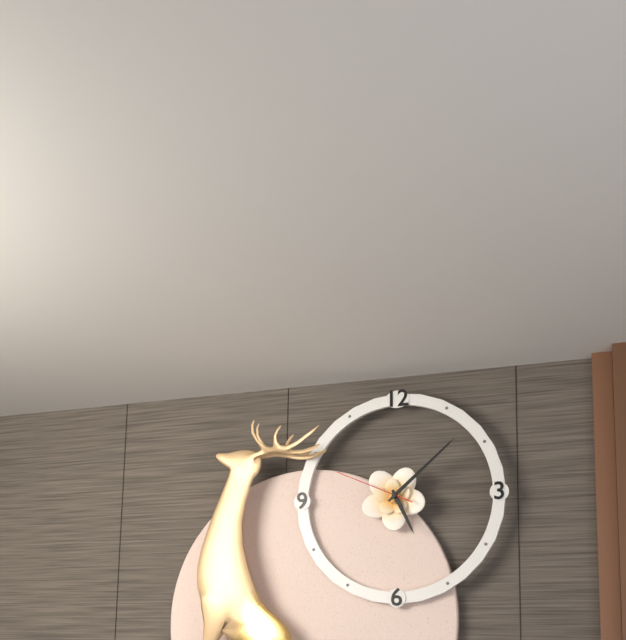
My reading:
5:08:49
